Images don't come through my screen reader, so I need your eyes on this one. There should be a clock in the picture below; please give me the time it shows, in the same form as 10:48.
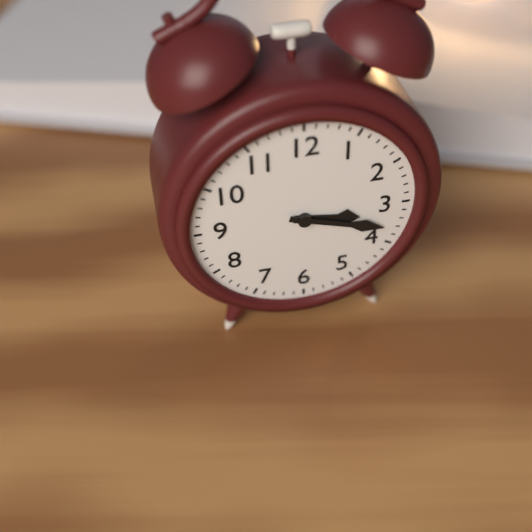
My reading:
3:18
